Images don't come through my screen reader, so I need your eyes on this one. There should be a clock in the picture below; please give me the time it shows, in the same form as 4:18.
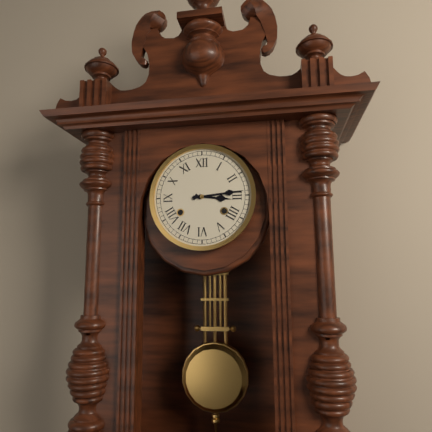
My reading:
3:14
